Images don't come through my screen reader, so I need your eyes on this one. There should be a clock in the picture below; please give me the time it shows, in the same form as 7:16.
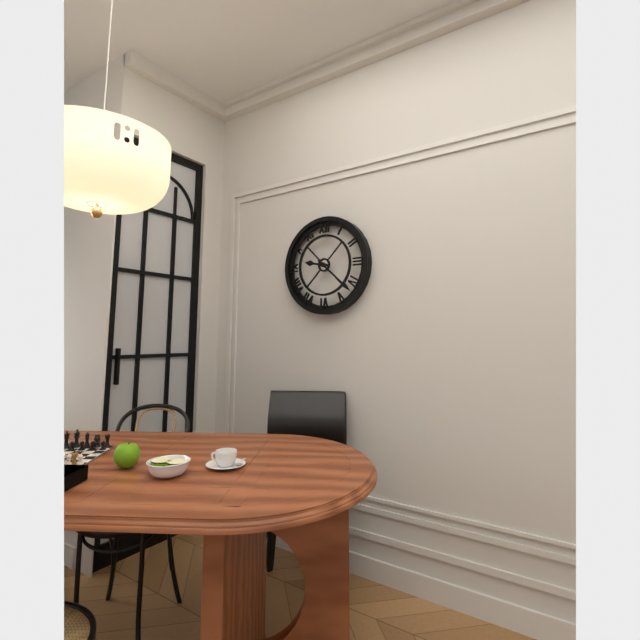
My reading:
9:22
